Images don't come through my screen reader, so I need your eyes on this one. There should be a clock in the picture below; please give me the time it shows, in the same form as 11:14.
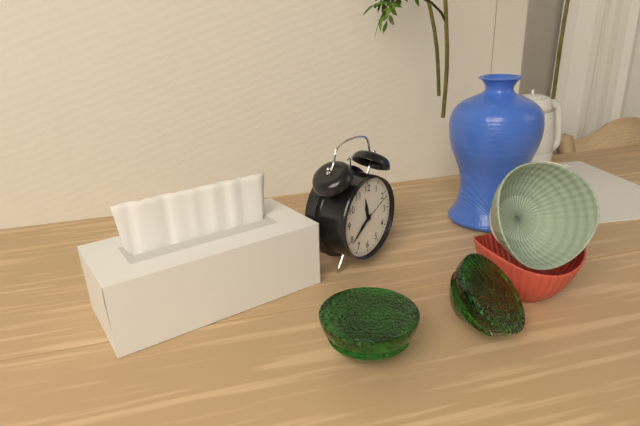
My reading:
11:39
